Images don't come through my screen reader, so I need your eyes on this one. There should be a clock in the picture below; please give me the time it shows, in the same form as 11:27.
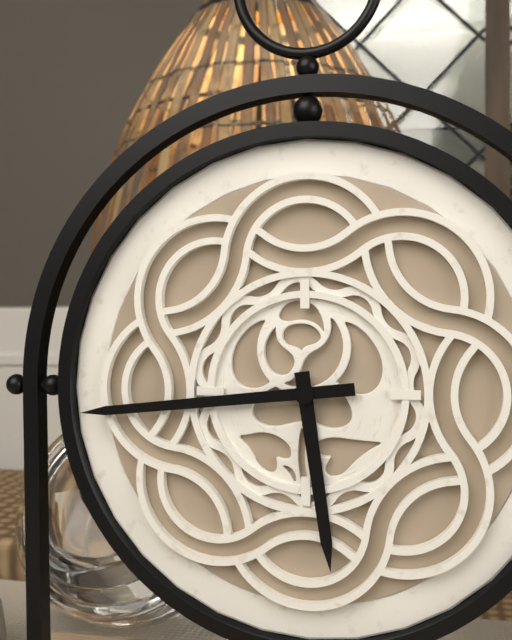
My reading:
5:44
